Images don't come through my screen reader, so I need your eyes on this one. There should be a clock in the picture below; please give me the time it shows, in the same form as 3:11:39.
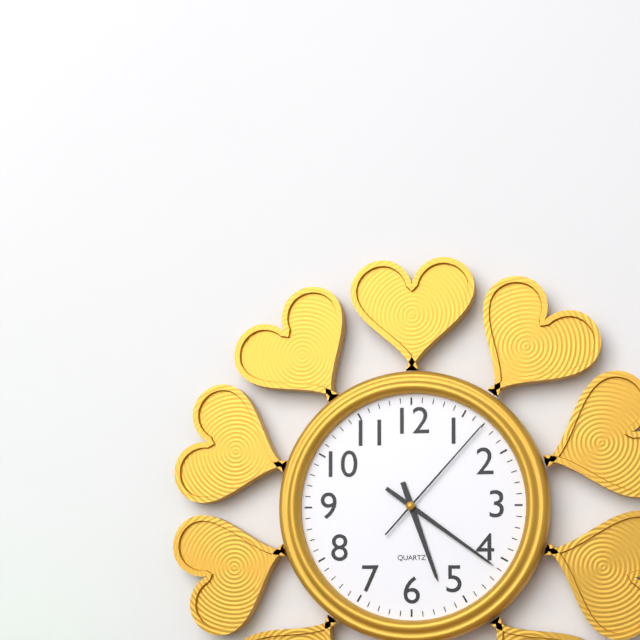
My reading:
5:21:07
